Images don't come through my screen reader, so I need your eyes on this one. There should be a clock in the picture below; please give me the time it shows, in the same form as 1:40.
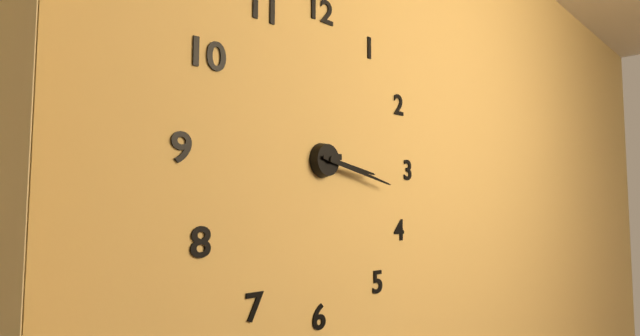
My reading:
3:17
